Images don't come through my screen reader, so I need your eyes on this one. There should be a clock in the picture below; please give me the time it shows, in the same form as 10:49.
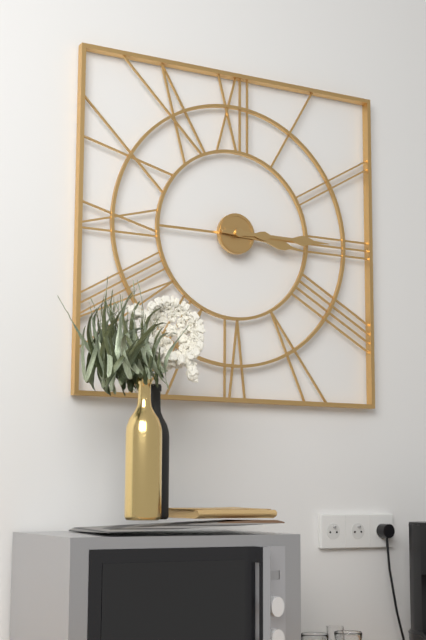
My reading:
3:15
